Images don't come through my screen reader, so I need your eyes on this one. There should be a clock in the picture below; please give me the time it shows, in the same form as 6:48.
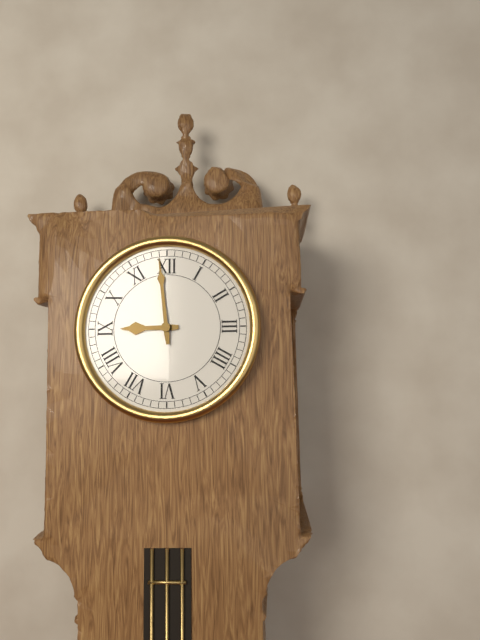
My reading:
8:59
